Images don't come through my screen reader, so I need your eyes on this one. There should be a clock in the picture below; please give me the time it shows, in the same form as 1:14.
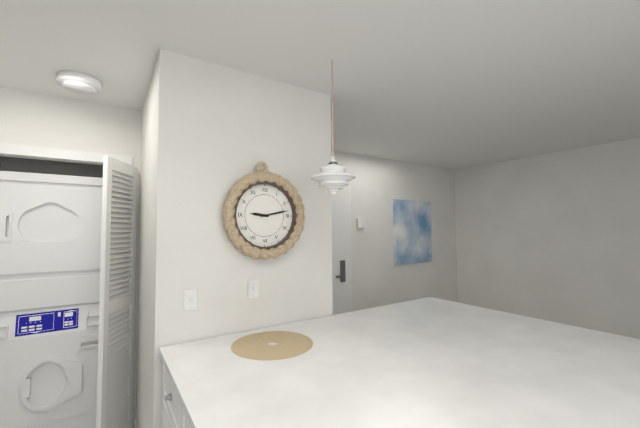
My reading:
9:13
